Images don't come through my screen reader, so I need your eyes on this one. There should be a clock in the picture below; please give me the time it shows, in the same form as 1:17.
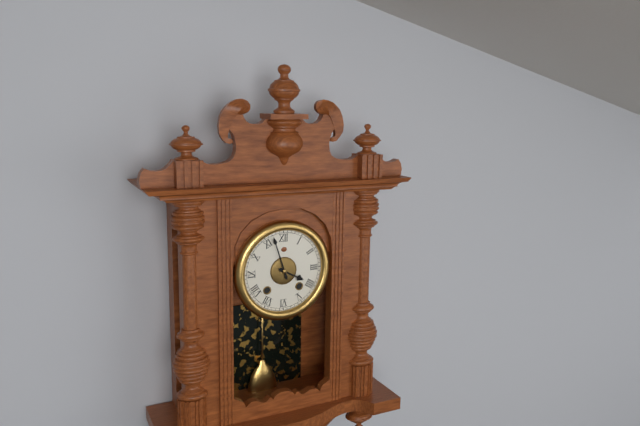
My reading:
3:57
